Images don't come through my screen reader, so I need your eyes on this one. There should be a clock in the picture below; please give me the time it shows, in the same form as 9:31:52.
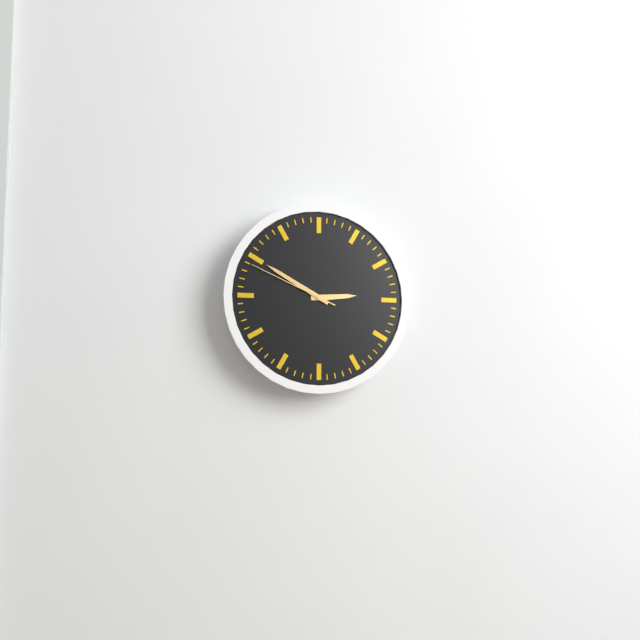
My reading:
2:50:49
